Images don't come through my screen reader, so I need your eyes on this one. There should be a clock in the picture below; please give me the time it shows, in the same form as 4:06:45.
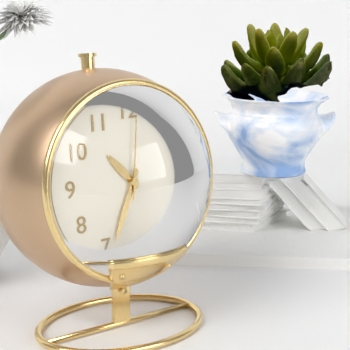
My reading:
10:34:01
